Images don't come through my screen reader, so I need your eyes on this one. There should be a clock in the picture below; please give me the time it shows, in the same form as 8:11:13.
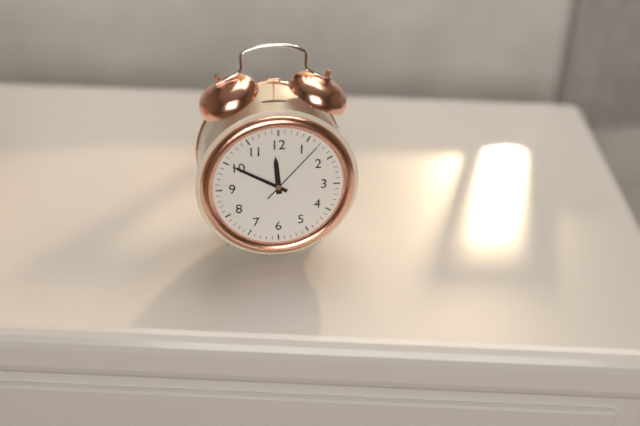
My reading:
11:50:07
